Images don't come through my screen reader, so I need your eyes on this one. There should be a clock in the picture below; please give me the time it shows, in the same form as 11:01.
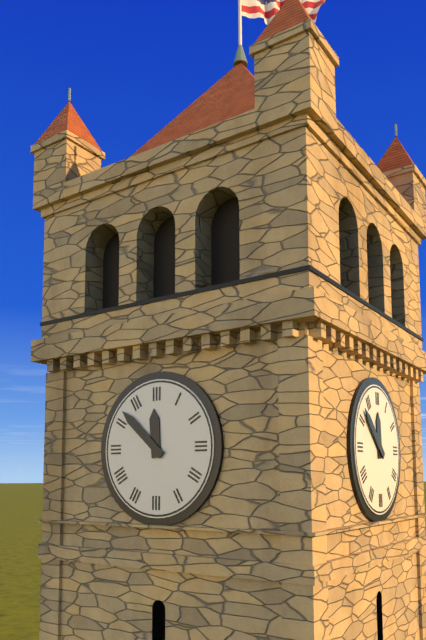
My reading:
11:52
